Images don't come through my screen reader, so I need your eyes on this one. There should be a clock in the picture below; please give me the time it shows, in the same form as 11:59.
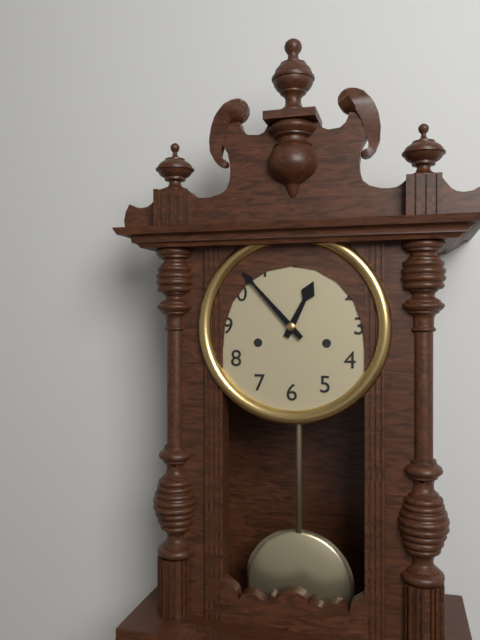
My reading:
12:53
